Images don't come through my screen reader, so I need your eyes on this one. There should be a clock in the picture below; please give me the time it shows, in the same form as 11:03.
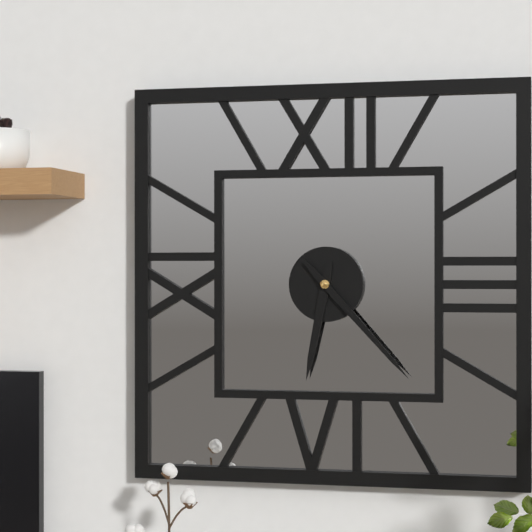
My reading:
6:23
